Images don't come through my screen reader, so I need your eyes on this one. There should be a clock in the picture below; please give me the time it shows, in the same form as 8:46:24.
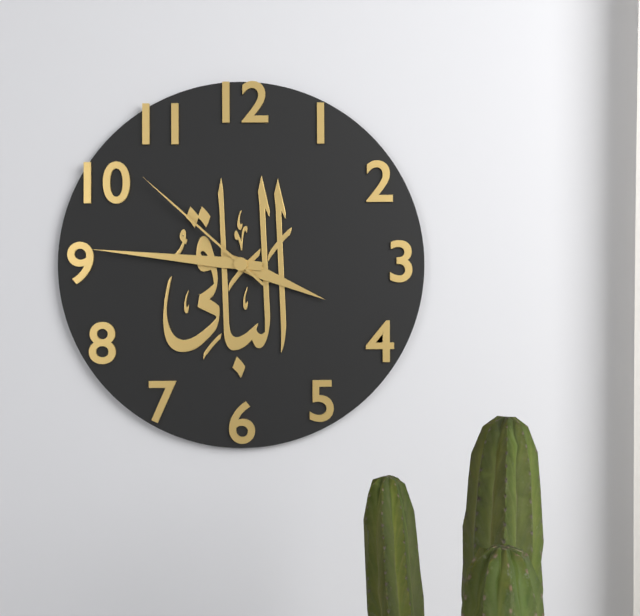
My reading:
3:46:52
